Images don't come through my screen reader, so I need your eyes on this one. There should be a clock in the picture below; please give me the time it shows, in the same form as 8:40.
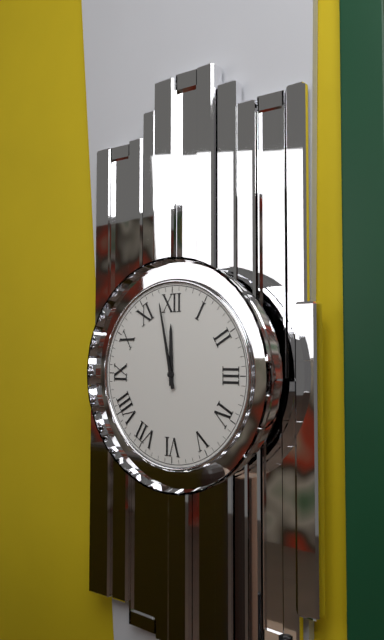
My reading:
11:58
